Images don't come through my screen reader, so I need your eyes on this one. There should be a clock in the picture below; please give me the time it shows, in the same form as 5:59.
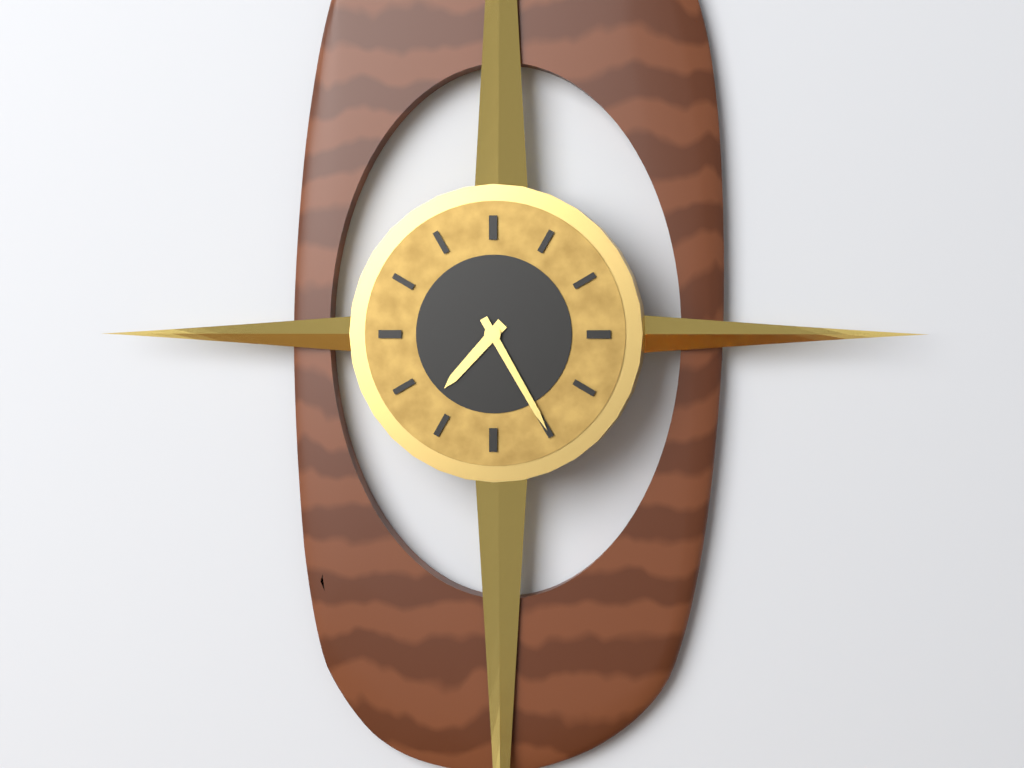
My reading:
7:25
